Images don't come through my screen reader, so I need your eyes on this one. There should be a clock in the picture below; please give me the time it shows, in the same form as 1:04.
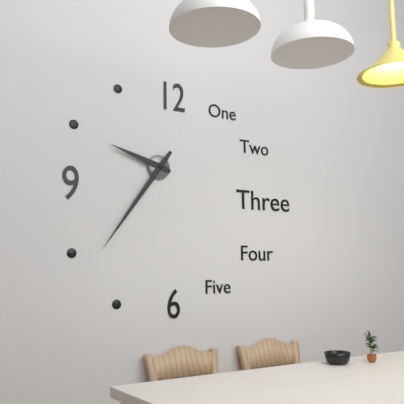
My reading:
9:36
